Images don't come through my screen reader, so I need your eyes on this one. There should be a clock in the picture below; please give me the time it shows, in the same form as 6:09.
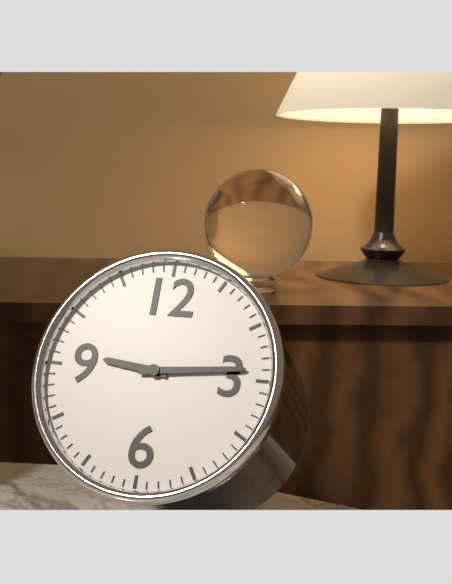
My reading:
9:14
